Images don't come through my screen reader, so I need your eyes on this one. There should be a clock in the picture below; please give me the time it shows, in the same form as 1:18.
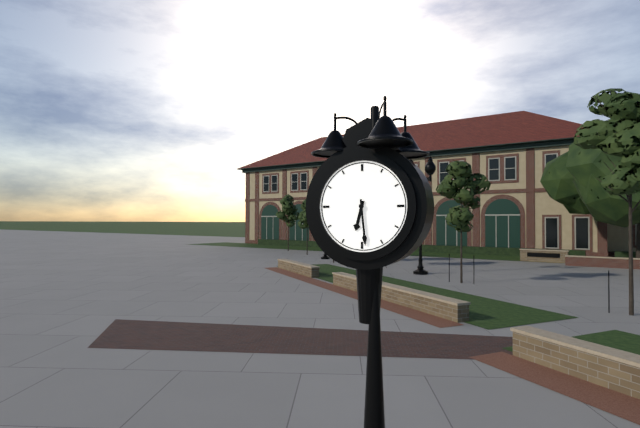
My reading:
6:29
